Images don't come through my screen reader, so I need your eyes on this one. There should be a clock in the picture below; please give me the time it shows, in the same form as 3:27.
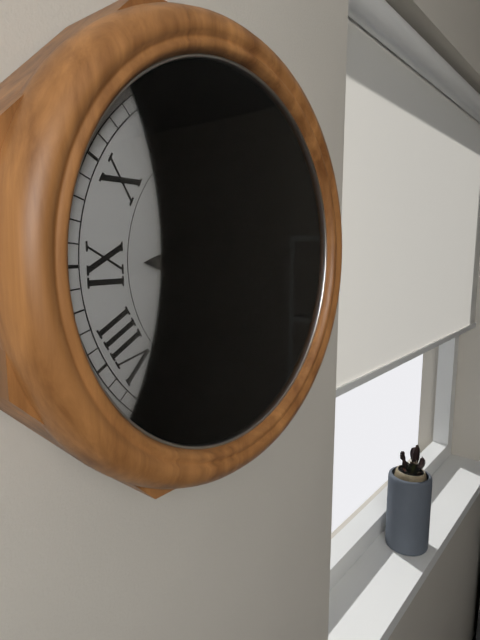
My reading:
9:02
